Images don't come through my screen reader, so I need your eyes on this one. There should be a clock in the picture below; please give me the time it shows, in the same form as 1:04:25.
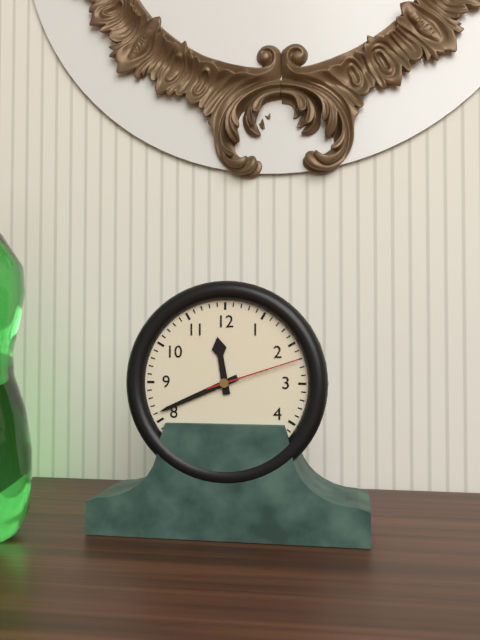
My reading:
11:41:12
